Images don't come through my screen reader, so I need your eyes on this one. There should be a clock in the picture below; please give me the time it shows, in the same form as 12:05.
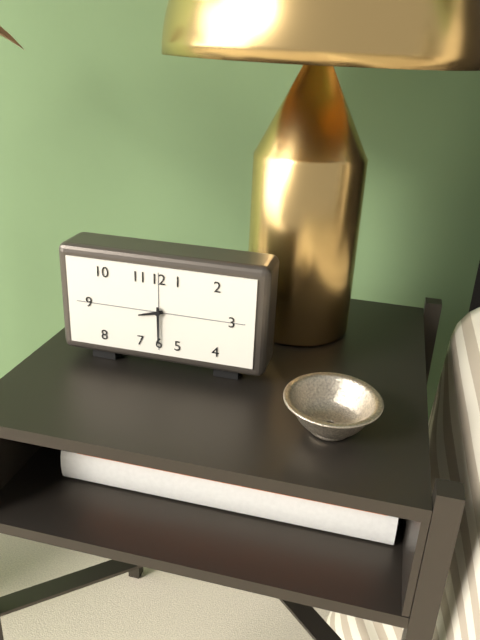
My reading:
8:30
